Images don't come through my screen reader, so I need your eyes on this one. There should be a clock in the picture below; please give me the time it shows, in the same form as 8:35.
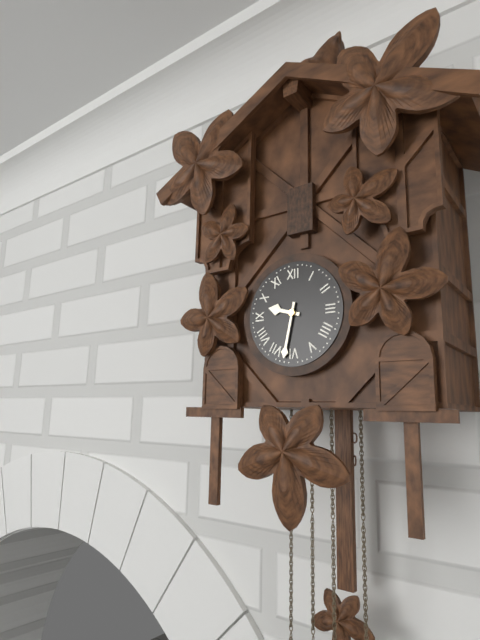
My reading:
9:32
